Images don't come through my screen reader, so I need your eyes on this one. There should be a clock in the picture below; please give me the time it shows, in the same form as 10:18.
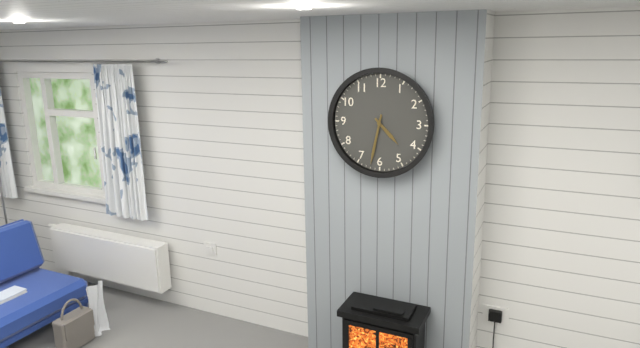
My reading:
4:32
